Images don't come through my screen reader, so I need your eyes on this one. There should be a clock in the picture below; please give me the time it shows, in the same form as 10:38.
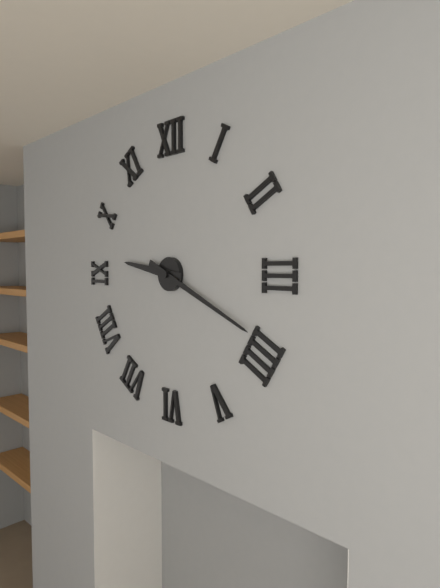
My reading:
9:19
